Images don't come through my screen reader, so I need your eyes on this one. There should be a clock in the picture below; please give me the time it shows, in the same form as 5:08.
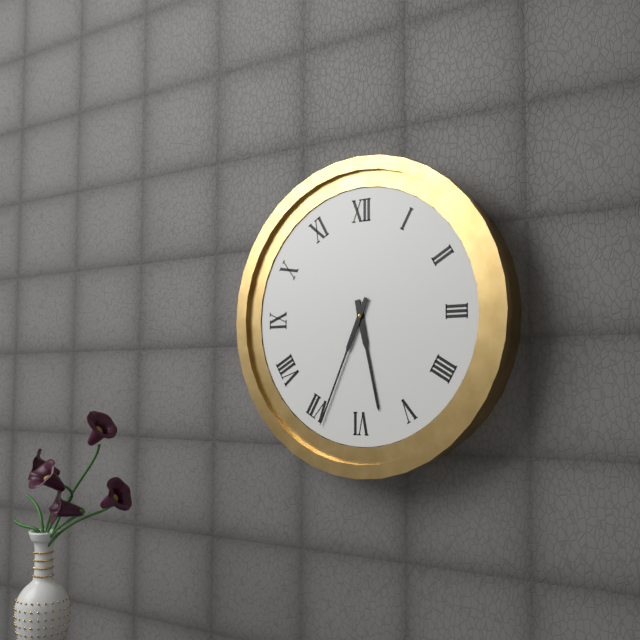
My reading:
5:34
